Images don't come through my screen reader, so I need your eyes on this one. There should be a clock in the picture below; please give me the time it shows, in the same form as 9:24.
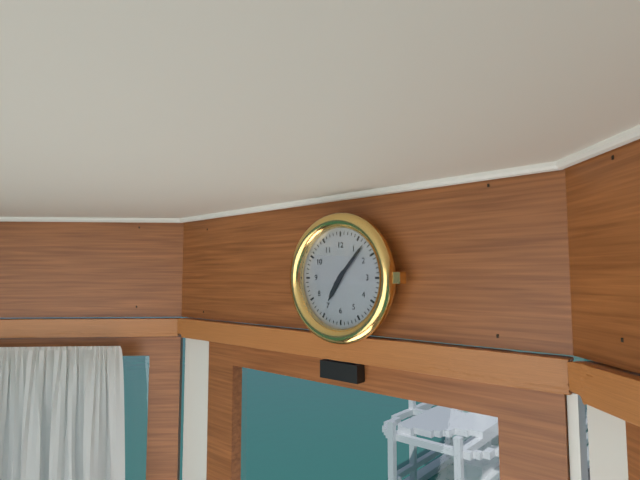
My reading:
7:07
